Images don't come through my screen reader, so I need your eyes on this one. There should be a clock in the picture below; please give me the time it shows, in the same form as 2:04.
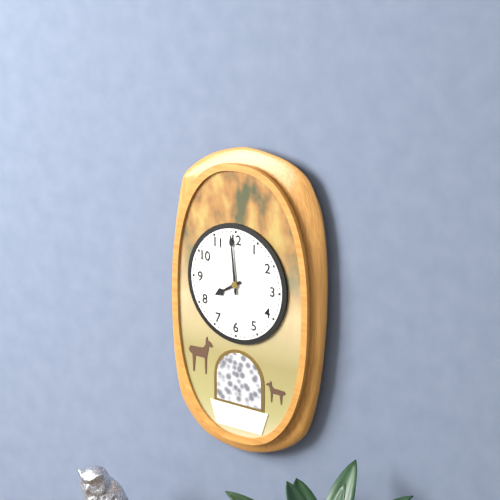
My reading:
7:59
